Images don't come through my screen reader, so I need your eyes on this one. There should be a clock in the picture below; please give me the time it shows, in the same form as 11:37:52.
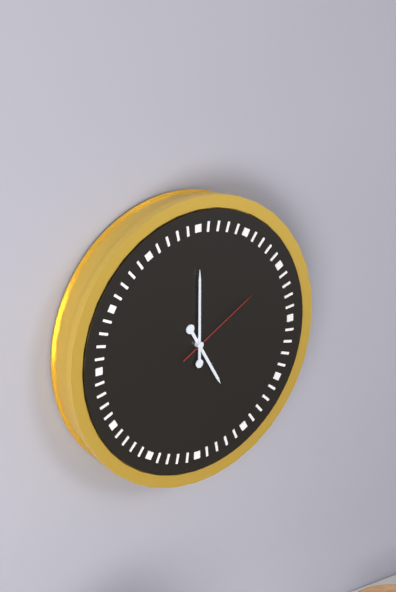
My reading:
5:00:10
